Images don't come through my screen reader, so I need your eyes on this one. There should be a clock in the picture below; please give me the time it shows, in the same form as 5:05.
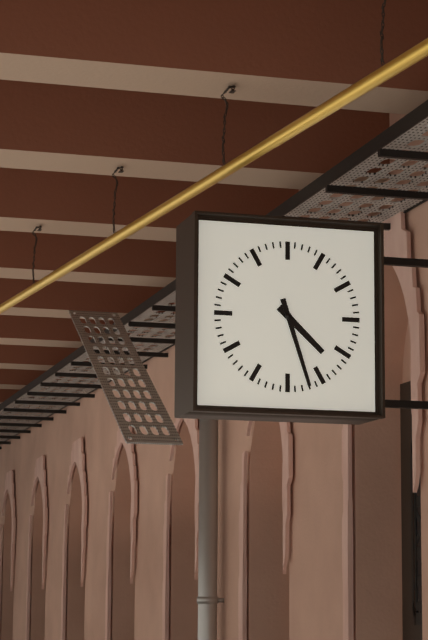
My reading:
4:27
